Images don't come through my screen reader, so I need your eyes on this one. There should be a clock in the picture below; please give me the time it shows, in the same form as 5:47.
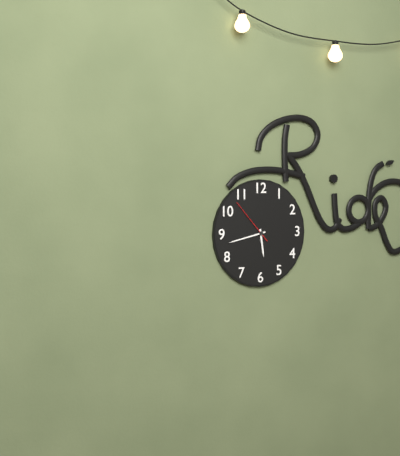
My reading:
5:43
